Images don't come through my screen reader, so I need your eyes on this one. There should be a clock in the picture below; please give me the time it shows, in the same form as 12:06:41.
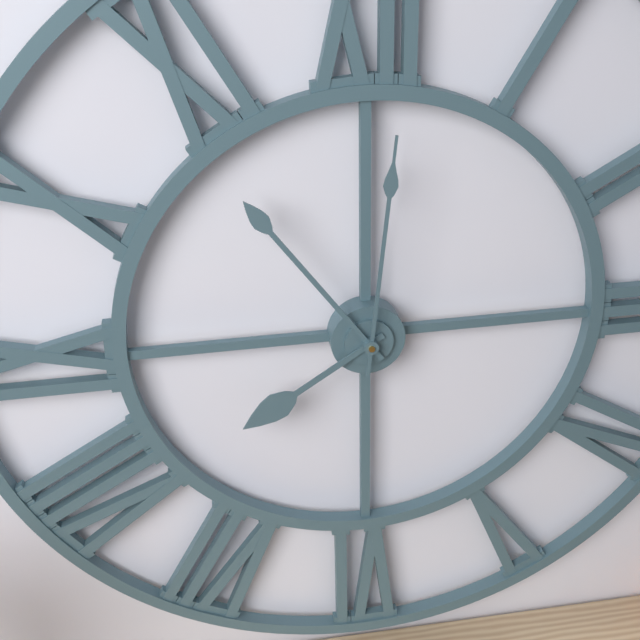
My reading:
7:54:01
